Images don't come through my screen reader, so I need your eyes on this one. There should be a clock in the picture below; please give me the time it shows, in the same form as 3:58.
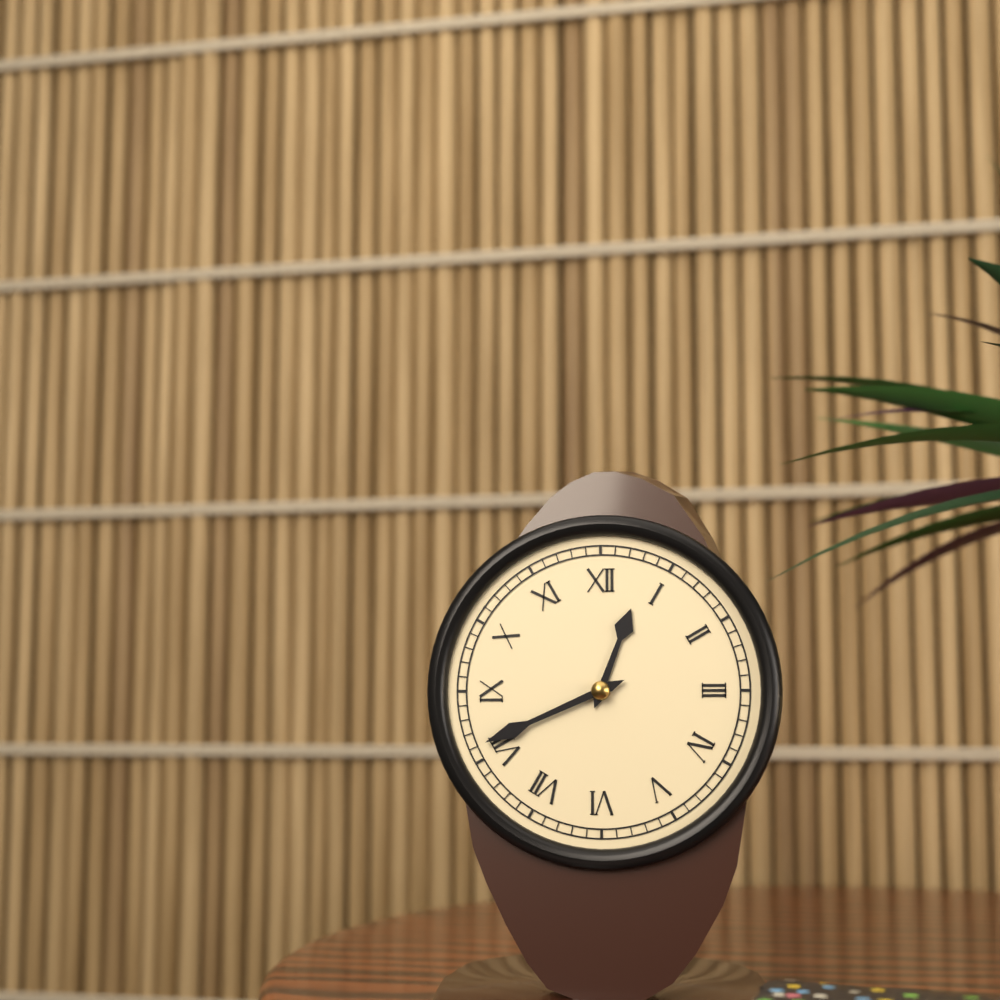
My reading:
12:41
